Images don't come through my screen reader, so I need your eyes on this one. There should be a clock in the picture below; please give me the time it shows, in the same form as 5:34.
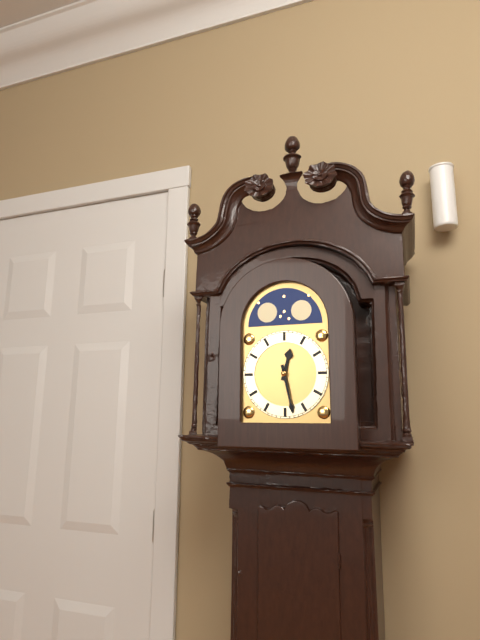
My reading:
12:28
